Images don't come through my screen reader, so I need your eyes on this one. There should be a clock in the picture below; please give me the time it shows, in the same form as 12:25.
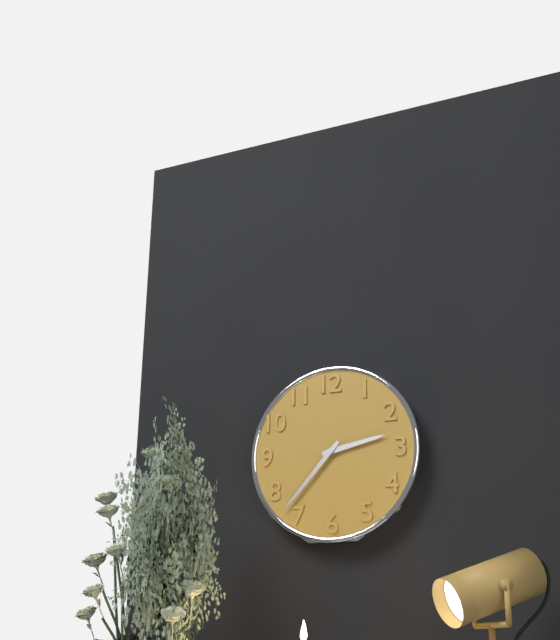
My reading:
2:37
